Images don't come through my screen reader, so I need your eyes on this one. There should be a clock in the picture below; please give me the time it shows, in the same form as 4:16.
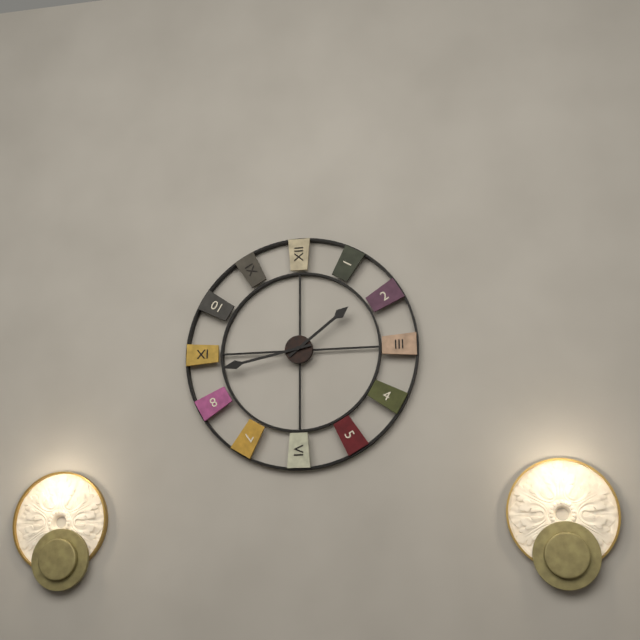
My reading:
1:43
